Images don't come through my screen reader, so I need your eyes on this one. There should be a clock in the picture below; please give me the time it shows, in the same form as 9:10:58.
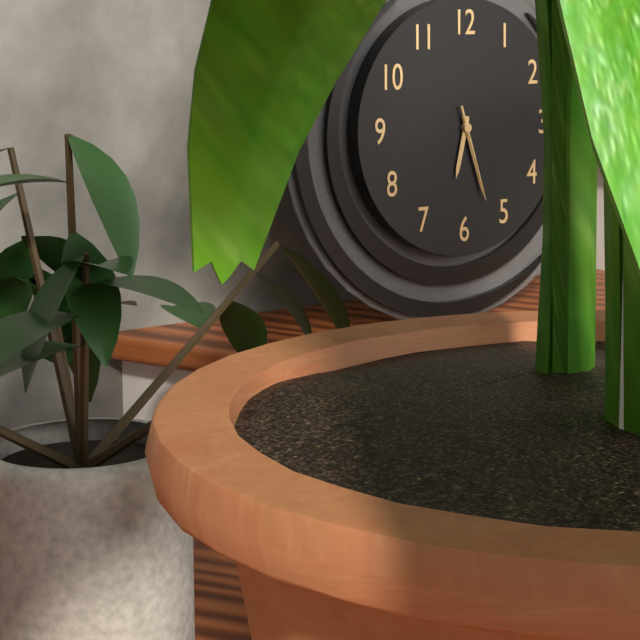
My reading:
6:27:27
